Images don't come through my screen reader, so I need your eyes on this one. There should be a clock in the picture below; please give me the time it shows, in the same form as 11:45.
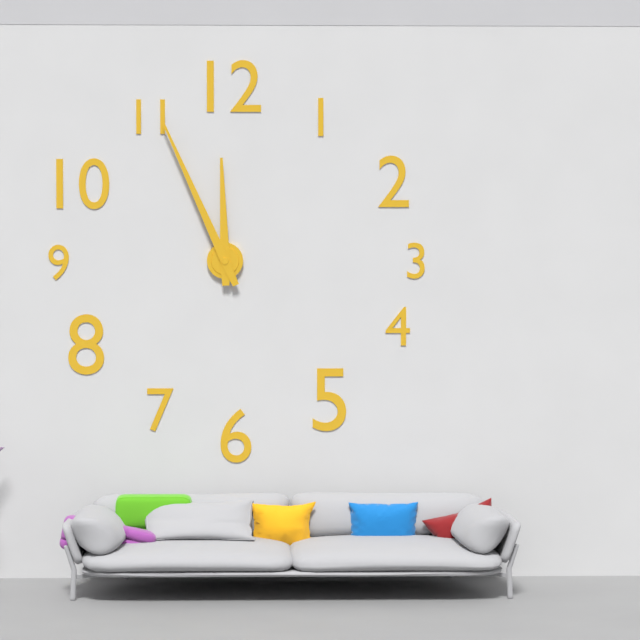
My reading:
11:56
